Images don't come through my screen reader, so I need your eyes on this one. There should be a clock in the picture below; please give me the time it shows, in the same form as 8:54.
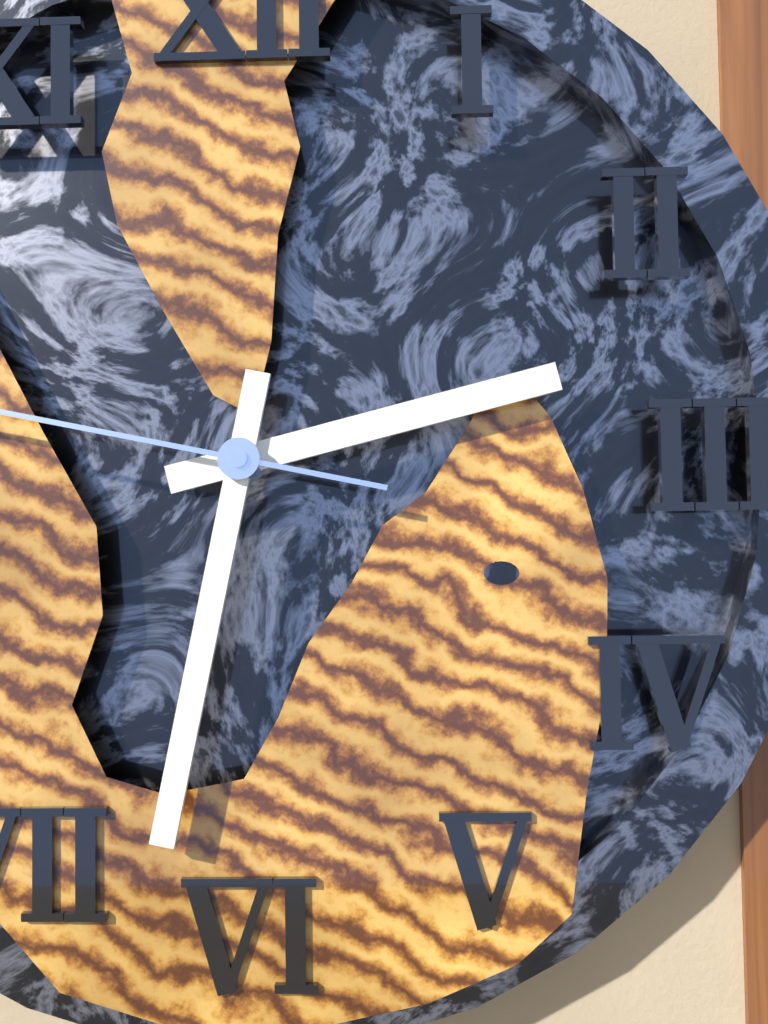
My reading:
2:32
